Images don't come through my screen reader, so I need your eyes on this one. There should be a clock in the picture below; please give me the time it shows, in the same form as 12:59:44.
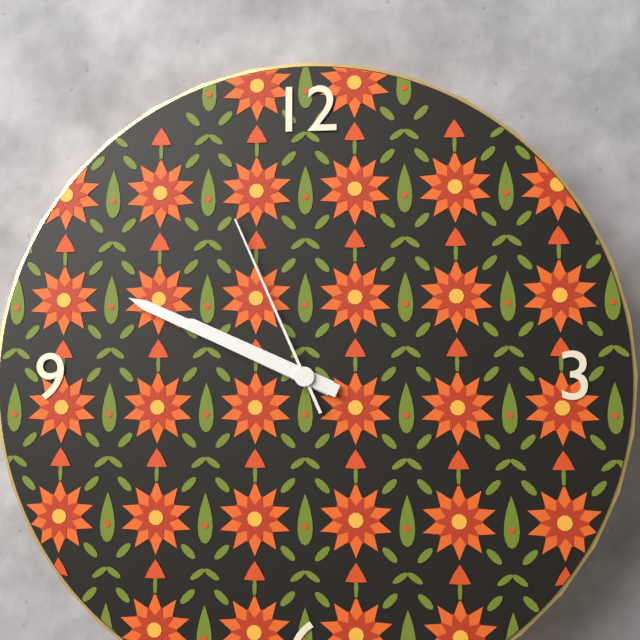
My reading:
9:49:56
